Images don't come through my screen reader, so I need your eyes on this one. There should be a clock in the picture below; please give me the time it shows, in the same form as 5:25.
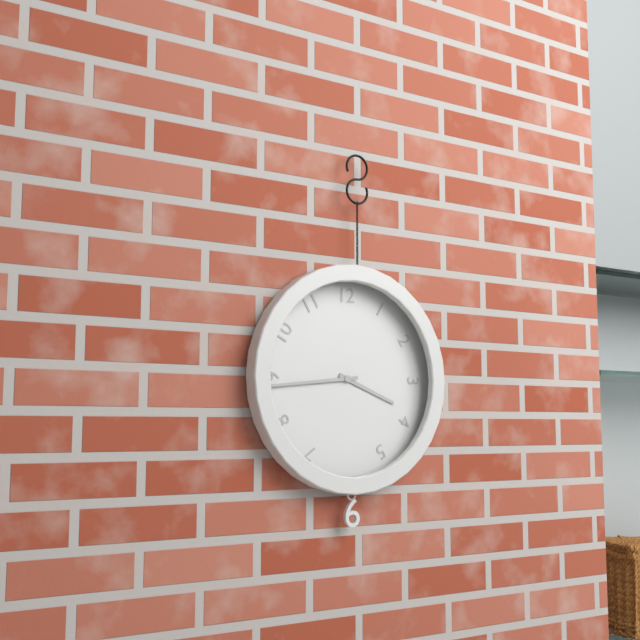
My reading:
3:44
